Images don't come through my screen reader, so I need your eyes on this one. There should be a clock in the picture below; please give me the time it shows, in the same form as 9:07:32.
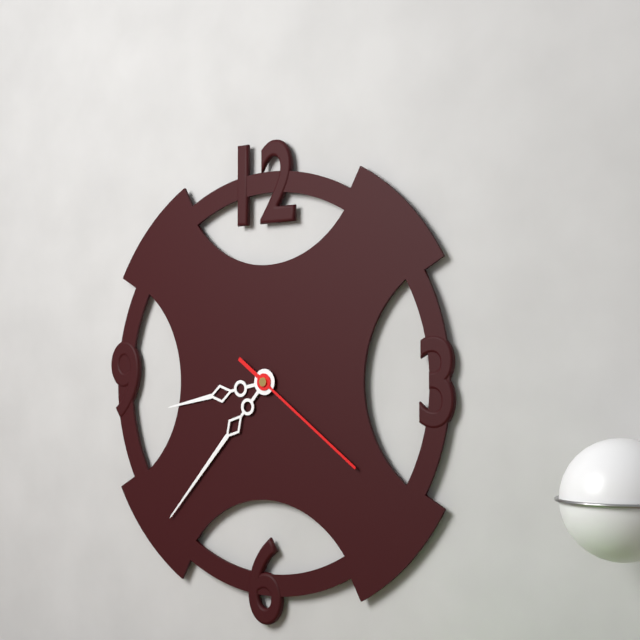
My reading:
8:37:21
